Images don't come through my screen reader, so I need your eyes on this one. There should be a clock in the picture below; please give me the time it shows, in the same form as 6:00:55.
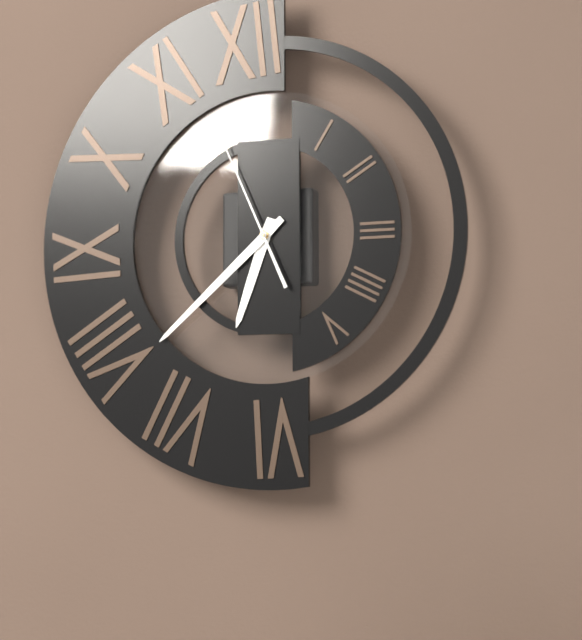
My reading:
6:38:56
